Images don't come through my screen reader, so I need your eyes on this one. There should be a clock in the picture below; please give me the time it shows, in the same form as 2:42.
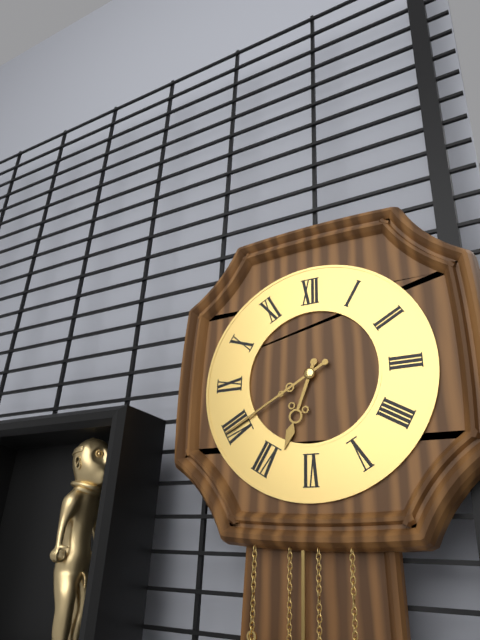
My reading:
6:40
